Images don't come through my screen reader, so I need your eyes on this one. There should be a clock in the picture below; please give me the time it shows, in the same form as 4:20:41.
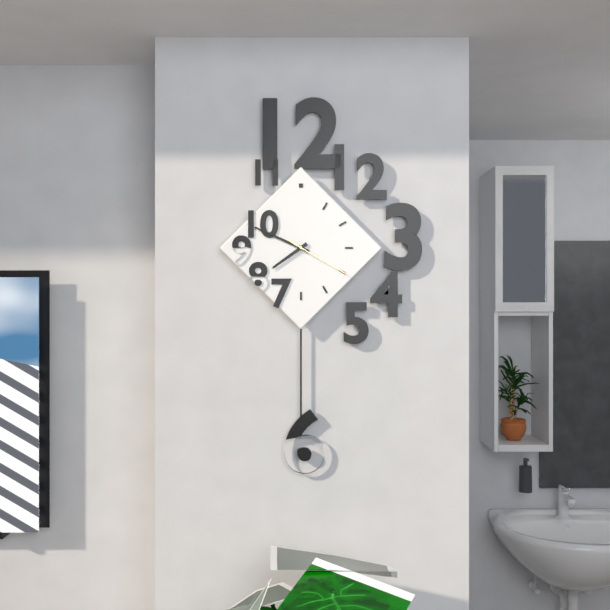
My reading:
7:49:20
